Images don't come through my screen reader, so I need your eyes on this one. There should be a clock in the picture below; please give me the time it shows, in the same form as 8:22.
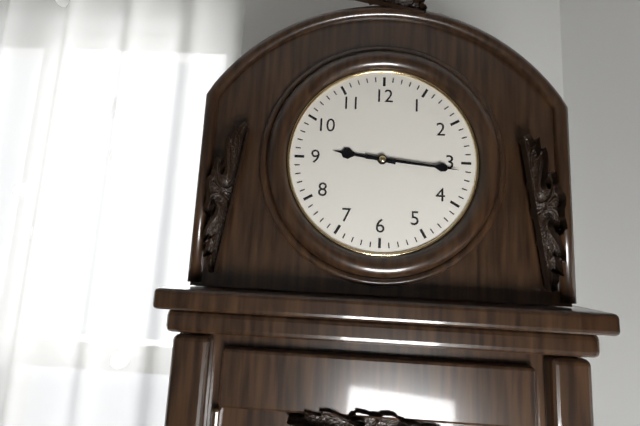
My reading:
9:16
